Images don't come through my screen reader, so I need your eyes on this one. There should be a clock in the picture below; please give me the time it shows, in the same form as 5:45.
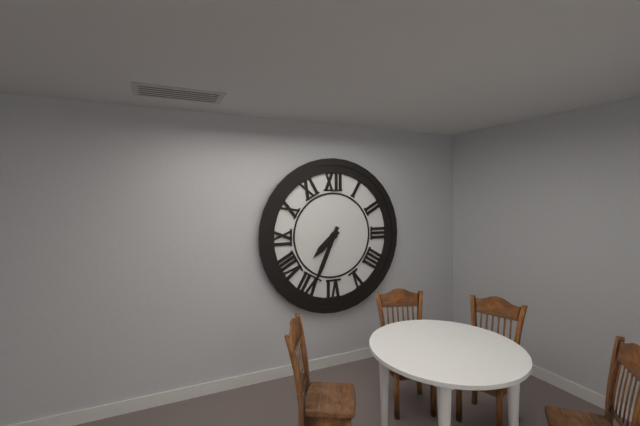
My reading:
7:34
